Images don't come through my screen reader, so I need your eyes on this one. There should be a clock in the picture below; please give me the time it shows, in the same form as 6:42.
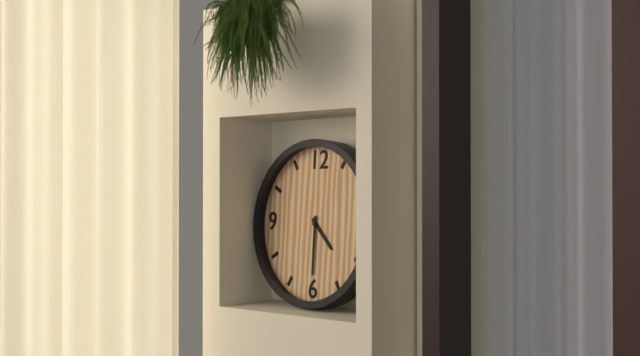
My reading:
4:30
